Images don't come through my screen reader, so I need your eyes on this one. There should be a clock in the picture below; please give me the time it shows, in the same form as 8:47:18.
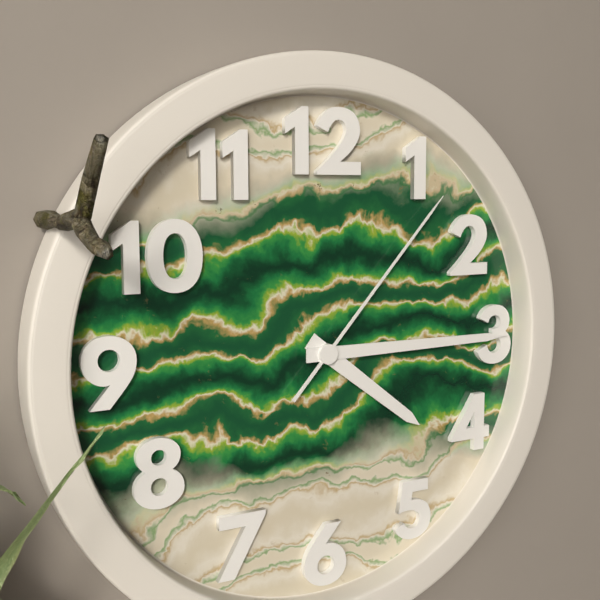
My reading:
4:15:07
